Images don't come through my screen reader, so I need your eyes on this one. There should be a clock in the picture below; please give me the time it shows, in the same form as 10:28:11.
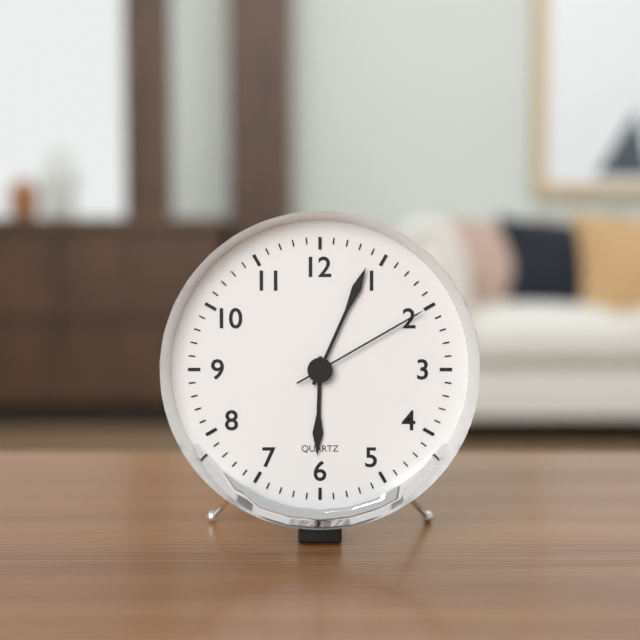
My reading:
6:04:10
